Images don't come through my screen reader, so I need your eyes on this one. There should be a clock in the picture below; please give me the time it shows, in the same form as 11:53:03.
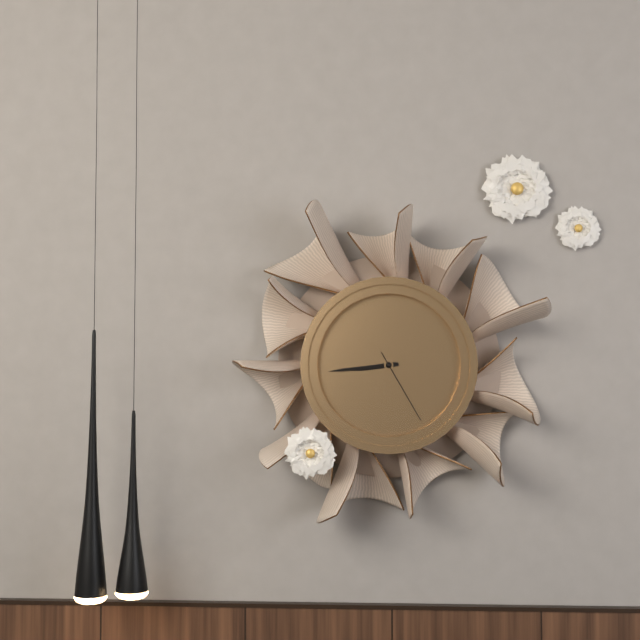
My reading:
8:44:25
